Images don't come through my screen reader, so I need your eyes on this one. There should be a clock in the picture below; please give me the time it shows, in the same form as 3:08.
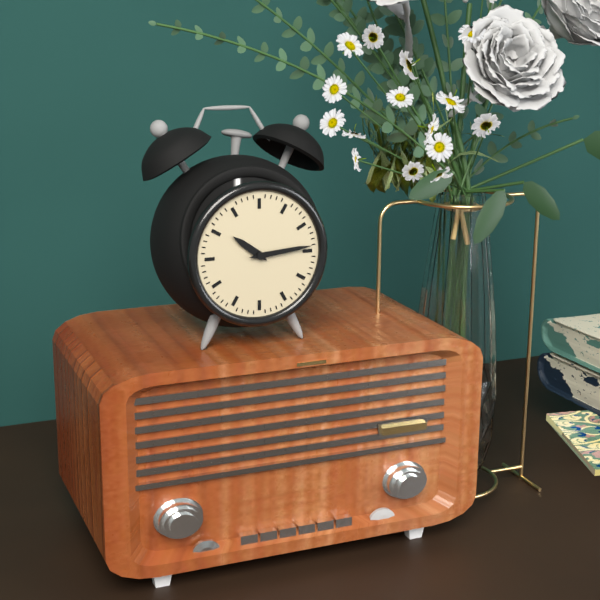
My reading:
10:14
